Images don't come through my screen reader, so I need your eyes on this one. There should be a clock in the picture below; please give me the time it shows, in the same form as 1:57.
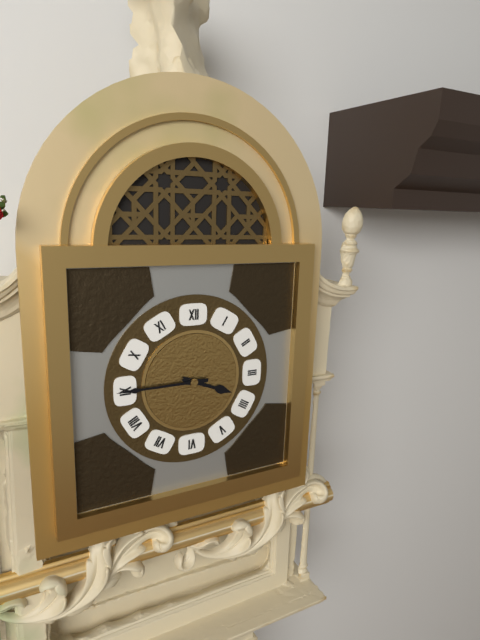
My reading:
3:45
